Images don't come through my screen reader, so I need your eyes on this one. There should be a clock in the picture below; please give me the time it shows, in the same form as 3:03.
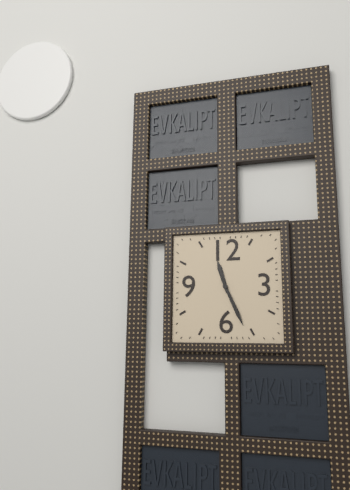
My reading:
11:26
